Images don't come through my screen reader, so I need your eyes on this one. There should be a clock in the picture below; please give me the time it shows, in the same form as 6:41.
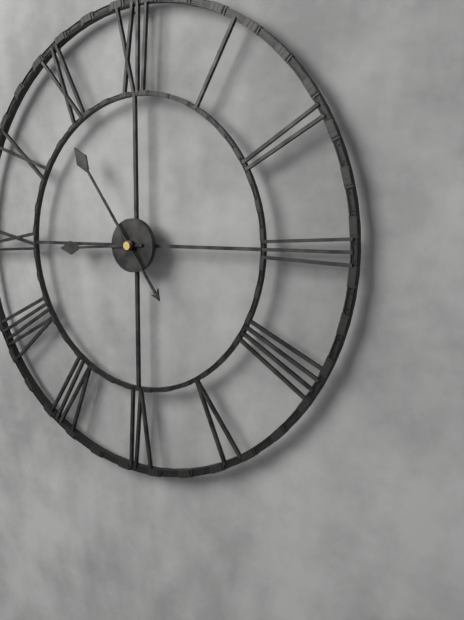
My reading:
8:54
